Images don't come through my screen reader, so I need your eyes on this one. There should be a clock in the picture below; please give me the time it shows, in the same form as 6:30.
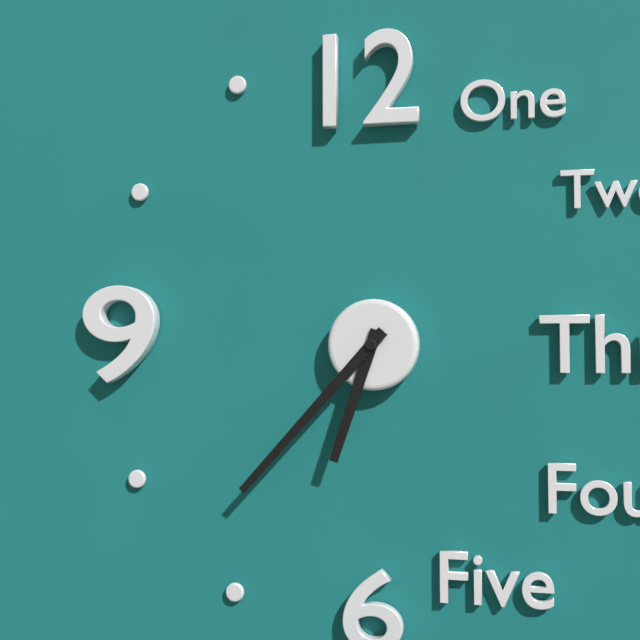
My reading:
6:37
